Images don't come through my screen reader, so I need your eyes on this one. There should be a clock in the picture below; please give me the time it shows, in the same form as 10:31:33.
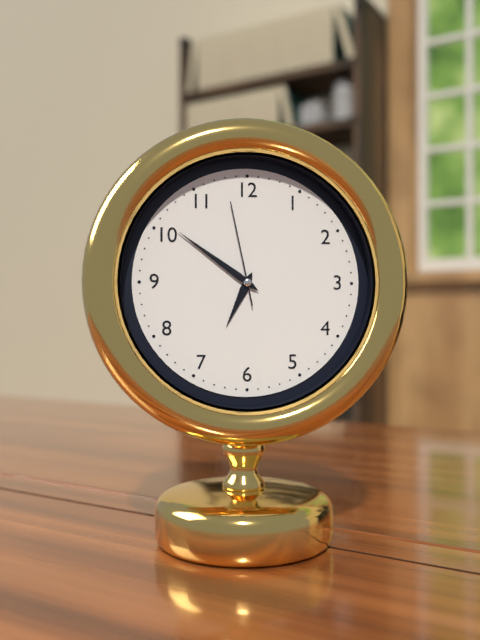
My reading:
6:51:58
